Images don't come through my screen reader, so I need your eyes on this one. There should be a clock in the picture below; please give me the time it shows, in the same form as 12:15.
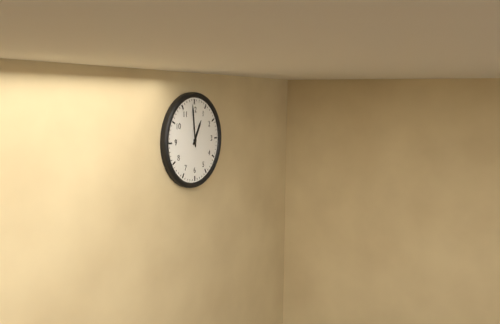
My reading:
12:59
